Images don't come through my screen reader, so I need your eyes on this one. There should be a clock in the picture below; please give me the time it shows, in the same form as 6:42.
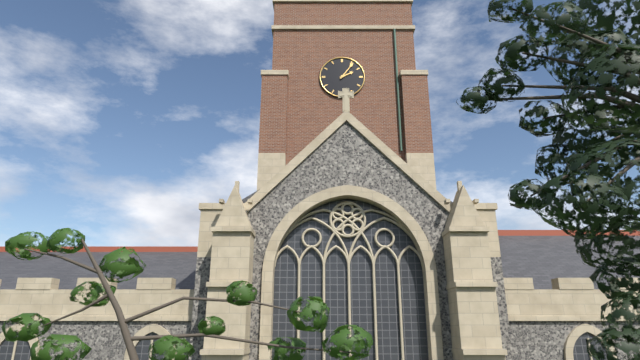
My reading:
2:06
